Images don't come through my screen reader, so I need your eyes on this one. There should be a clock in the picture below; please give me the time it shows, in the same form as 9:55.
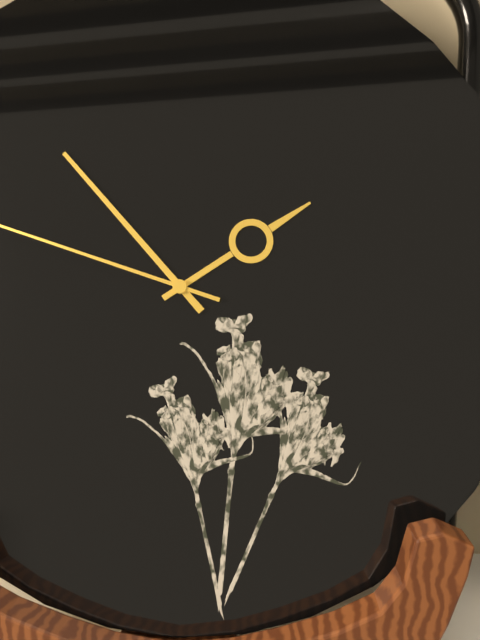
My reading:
1:53
